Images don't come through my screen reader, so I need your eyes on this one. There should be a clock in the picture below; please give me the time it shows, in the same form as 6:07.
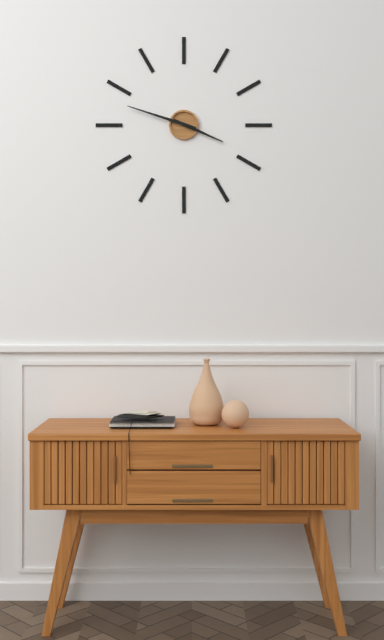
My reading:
3:48
